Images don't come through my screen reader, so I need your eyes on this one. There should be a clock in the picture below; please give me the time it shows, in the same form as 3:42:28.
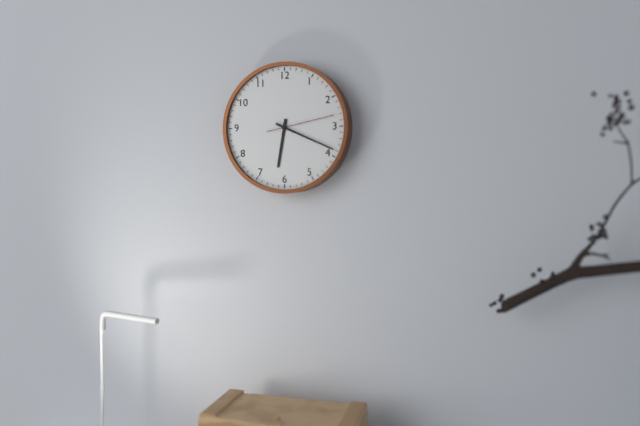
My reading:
6:19:13
